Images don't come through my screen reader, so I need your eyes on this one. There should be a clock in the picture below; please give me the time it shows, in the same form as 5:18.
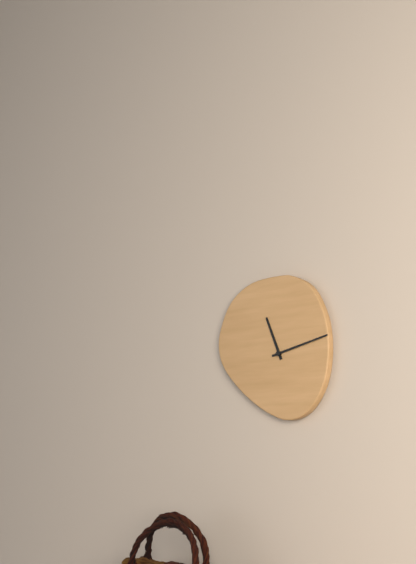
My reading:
11:13
